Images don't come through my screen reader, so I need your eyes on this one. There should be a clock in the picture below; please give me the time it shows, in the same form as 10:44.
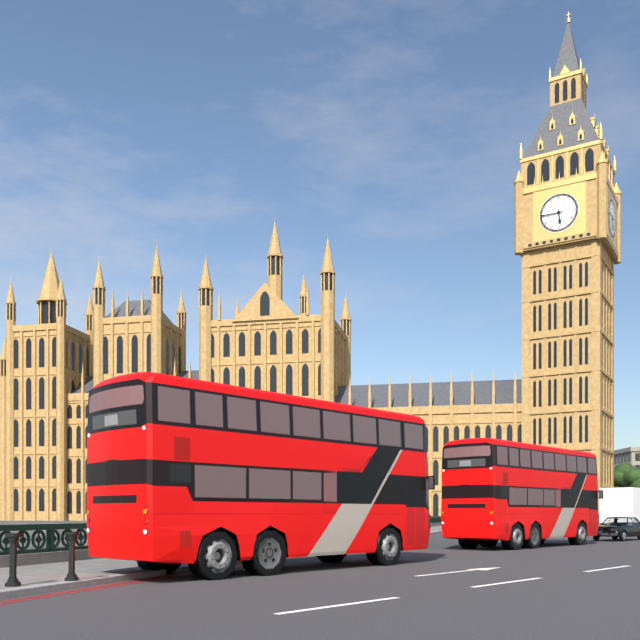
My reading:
5:45
